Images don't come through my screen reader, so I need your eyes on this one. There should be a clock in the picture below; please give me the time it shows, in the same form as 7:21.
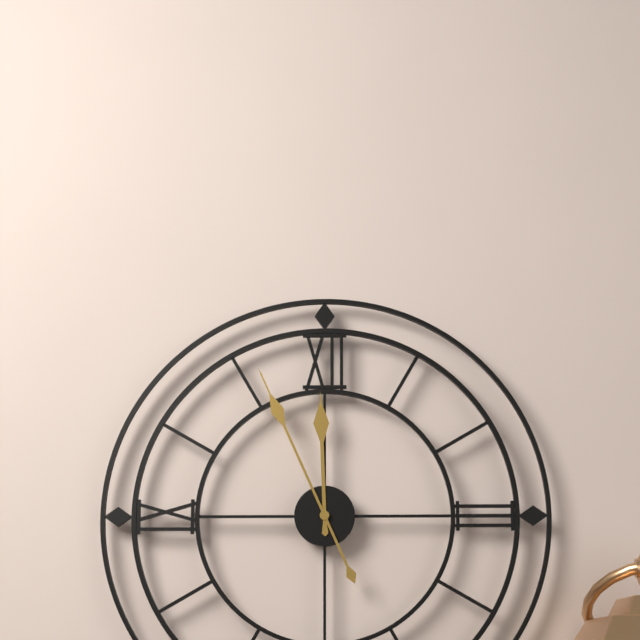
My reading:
11:56
